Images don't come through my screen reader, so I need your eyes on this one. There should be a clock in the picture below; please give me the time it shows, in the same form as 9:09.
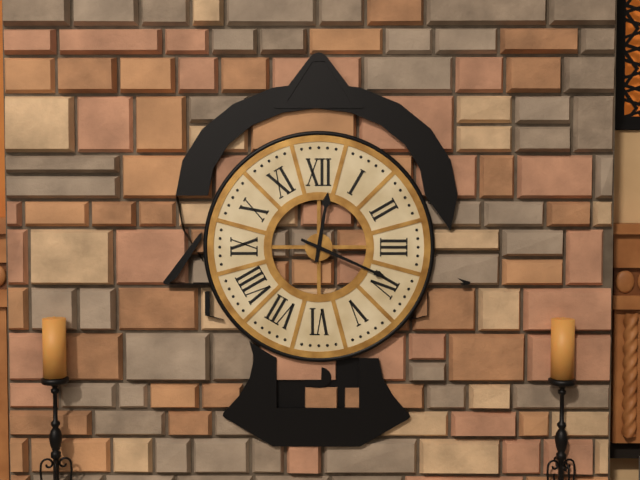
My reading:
12:19
